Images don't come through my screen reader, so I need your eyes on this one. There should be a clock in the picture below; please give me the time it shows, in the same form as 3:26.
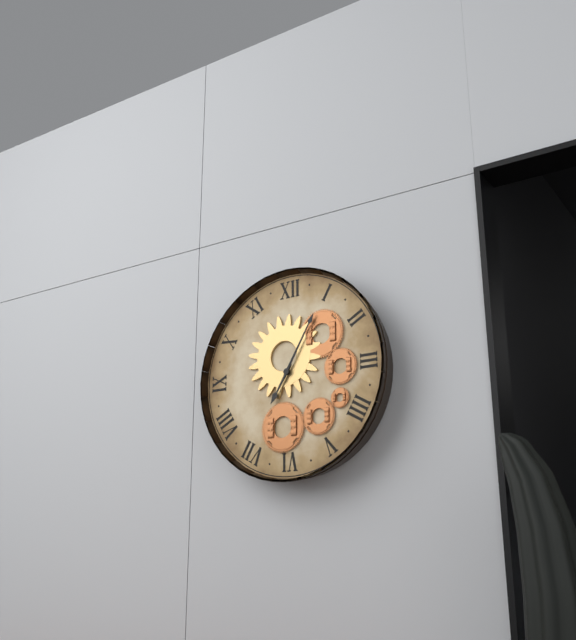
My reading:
7:05
